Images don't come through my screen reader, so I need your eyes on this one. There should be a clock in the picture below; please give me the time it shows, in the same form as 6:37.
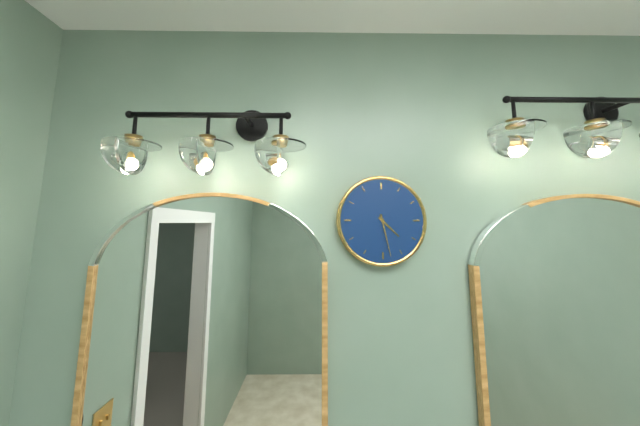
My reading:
4:28
